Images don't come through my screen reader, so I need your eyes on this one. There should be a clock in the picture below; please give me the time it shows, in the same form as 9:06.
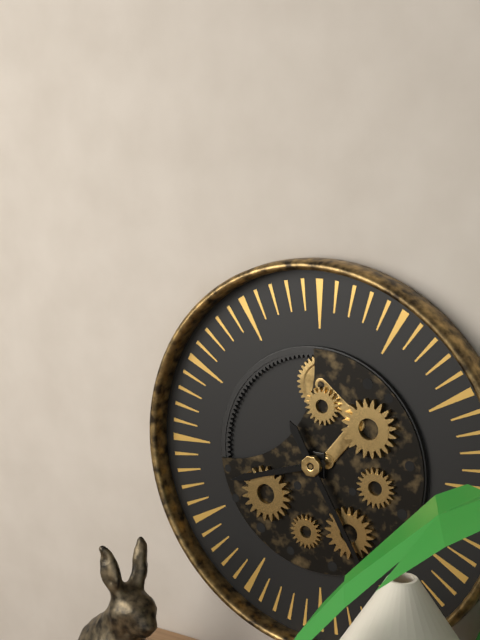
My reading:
8:25
